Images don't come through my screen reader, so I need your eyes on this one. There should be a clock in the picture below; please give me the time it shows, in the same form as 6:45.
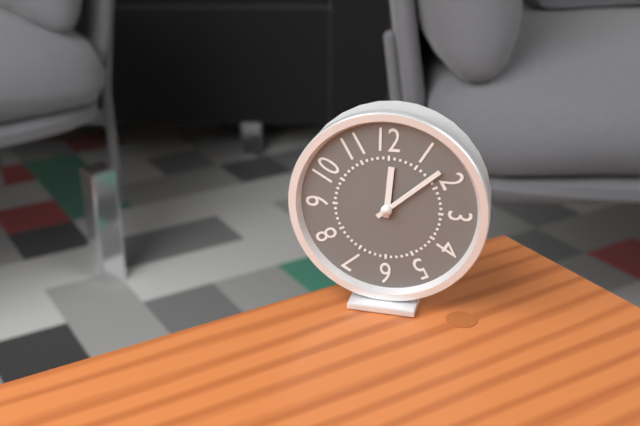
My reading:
12:08
